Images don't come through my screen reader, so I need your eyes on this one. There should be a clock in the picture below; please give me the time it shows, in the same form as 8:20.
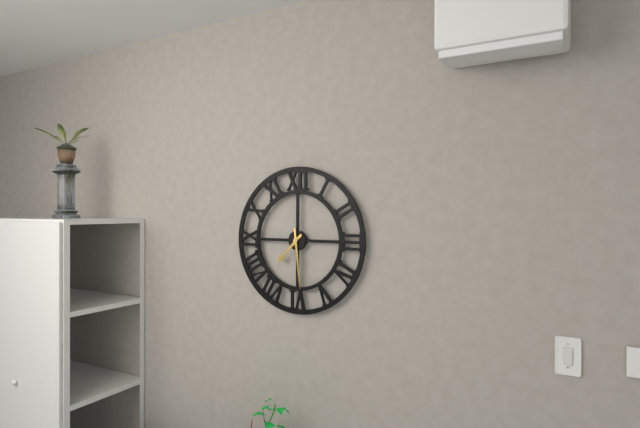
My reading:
7:29
